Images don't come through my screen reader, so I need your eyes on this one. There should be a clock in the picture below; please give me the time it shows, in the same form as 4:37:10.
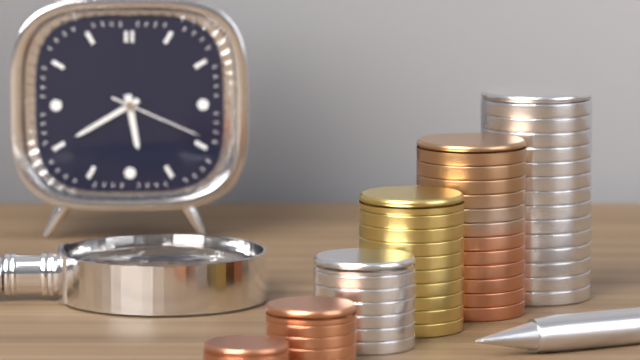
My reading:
5:40:19
